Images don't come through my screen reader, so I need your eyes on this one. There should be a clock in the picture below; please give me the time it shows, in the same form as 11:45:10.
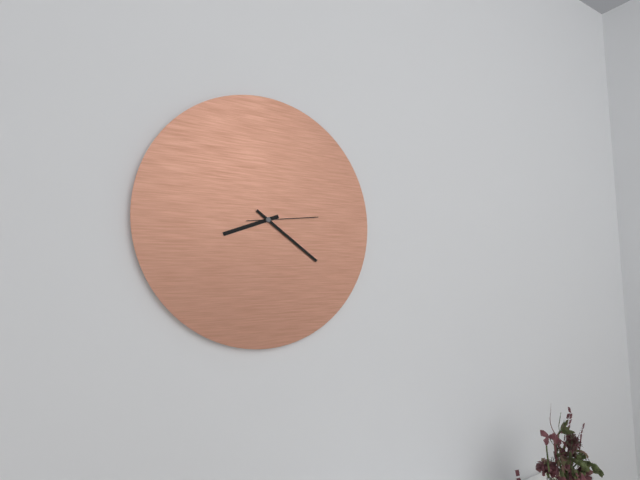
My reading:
8:21:14
